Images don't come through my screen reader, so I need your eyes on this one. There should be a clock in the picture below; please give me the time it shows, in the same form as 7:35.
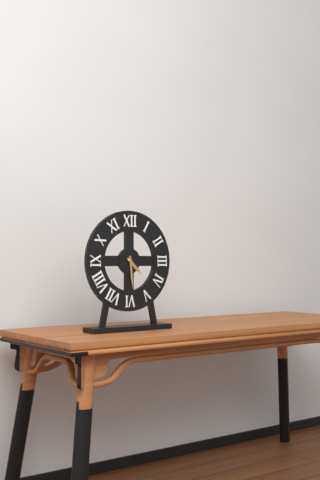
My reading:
4:29
